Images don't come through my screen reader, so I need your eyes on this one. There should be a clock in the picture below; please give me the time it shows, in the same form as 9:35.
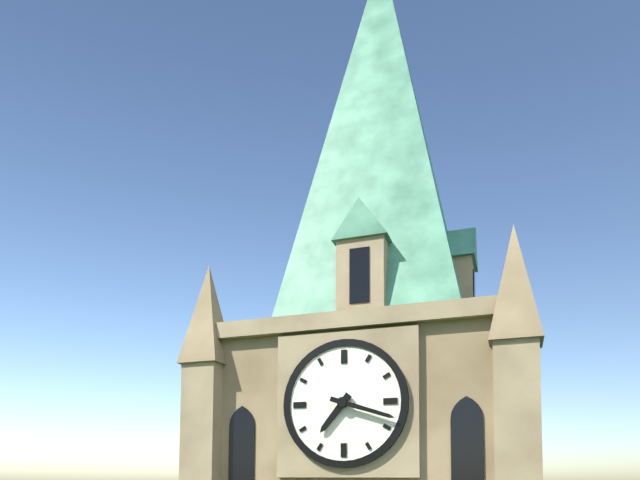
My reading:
7:18
